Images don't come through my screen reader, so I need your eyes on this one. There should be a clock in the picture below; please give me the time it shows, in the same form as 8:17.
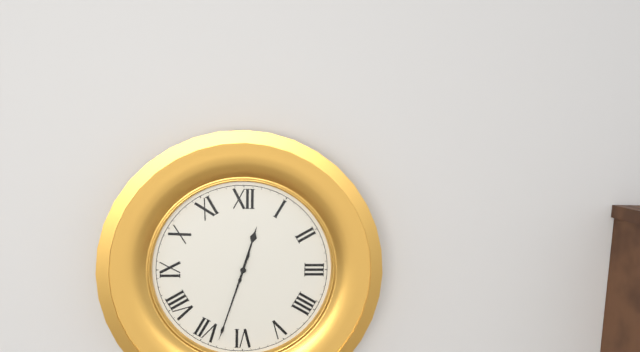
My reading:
12:33
